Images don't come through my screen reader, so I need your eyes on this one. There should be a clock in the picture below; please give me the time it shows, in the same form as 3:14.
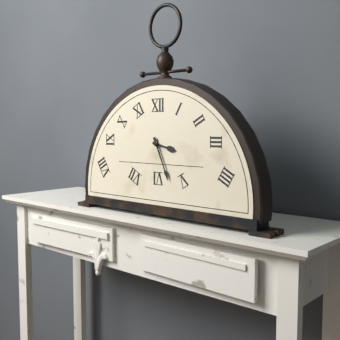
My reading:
3:26
